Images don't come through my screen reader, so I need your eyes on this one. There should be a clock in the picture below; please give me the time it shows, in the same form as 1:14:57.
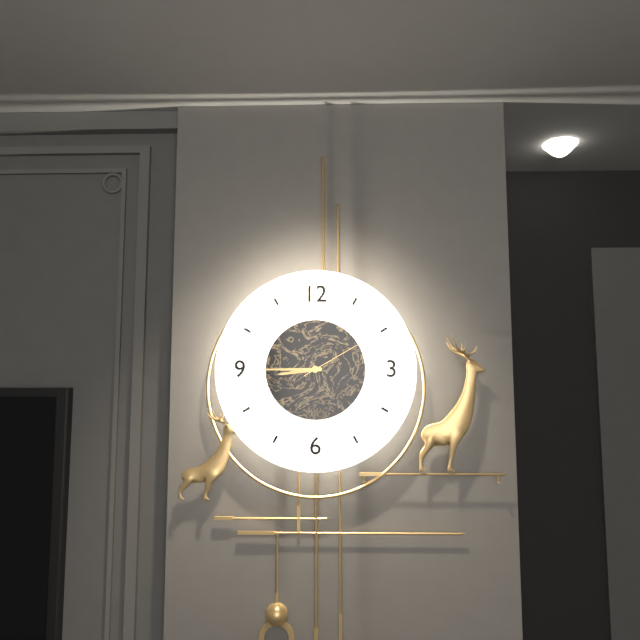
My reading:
8:45:10
